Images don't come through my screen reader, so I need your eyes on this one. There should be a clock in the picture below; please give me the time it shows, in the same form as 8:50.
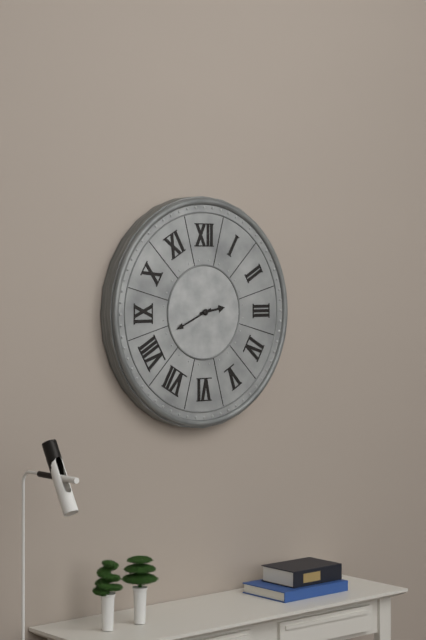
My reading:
2:41
